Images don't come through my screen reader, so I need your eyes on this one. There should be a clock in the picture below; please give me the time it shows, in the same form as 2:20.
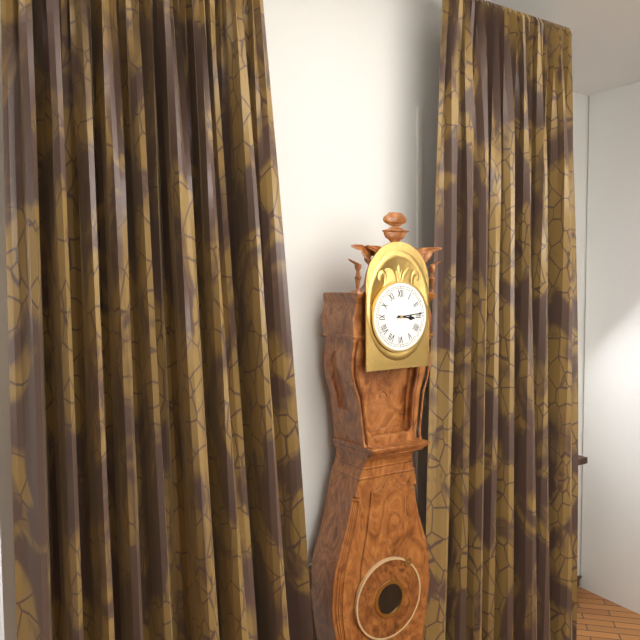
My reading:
3:14
